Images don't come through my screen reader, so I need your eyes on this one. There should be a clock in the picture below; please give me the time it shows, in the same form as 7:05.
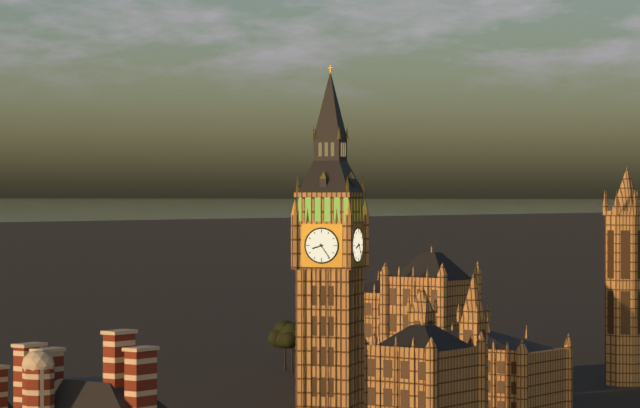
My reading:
8:24
